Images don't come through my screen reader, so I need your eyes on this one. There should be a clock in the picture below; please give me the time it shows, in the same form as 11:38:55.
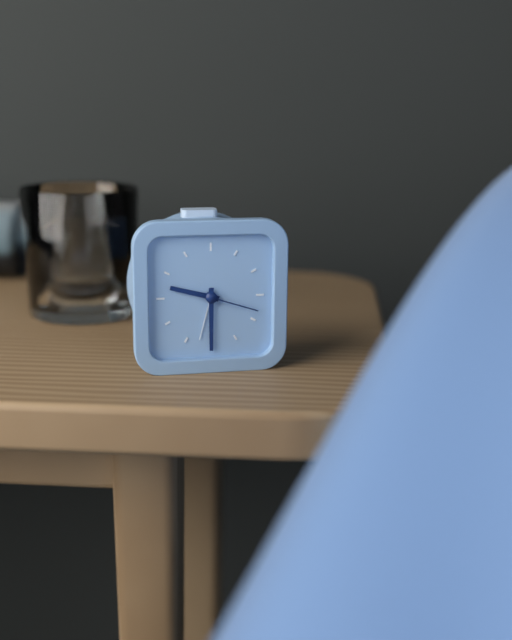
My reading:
9:30:18
